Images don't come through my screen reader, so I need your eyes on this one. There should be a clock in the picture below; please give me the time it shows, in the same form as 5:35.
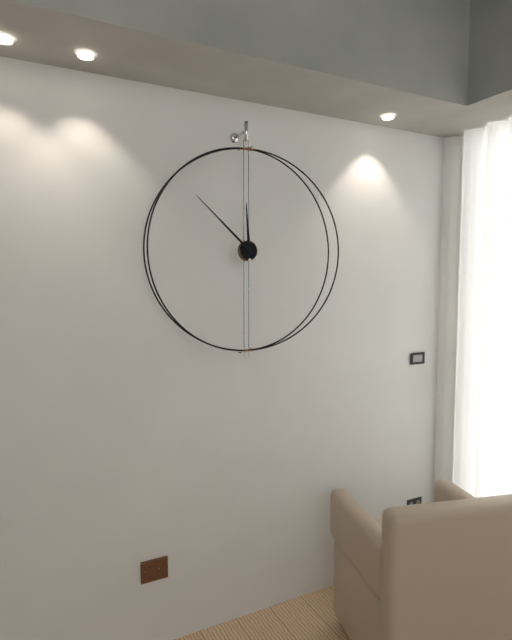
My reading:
11:52
